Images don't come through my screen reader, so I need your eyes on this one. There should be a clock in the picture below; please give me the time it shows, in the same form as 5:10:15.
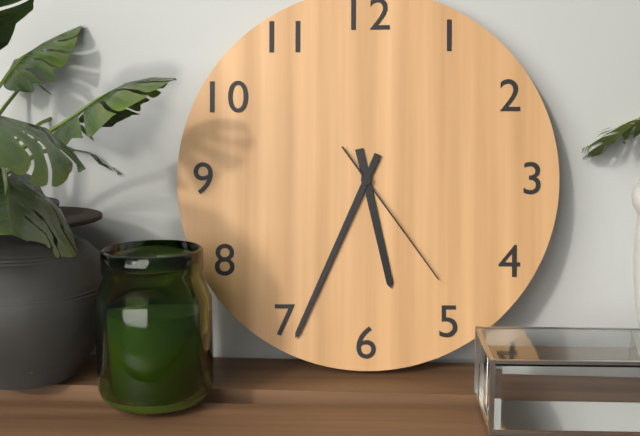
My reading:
5:34:24
